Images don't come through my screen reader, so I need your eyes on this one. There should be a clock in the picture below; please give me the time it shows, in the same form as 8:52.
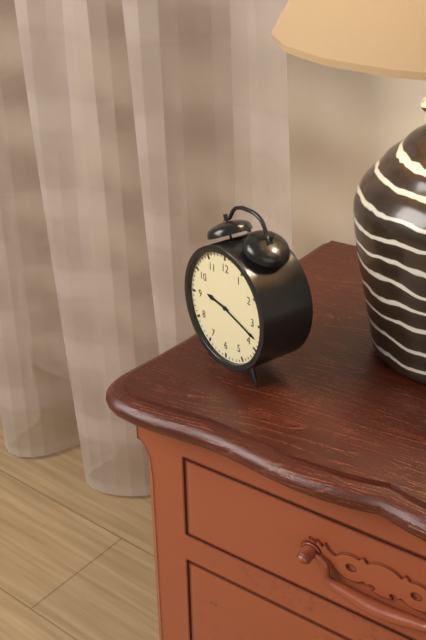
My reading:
9:18
